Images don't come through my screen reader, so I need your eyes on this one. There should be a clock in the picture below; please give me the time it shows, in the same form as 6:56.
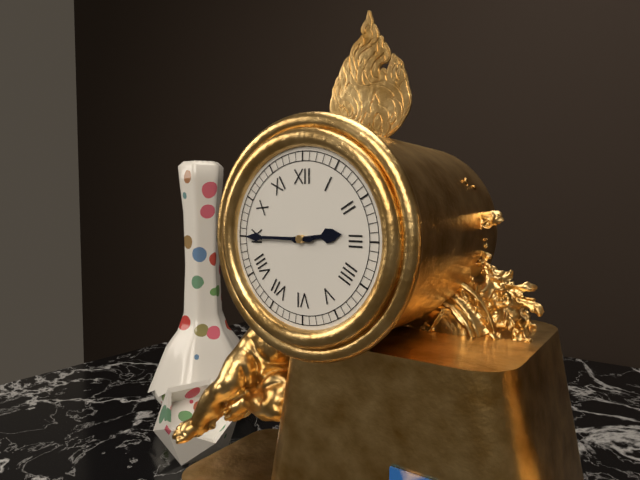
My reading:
2:45
